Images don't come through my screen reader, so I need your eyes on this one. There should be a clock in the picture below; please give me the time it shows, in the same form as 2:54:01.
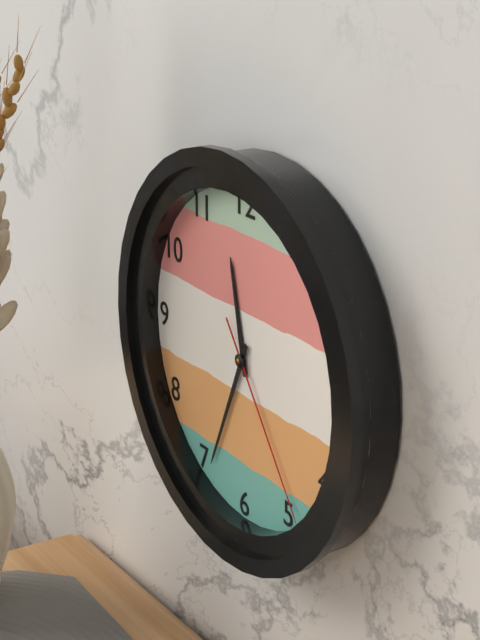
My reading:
11:34:24
